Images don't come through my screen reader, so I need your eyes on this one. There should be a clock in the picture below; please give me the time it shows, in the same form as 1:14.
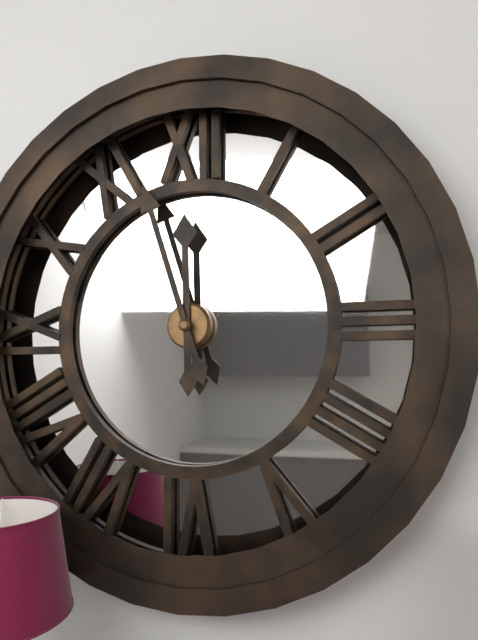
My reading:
11:57
